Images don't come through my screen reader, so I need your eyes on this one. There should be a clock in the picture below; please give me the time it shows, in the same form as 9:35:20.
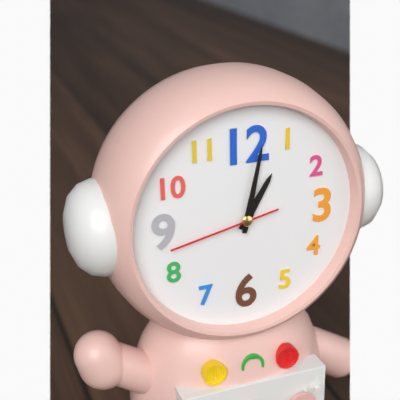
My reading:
1:02:43
